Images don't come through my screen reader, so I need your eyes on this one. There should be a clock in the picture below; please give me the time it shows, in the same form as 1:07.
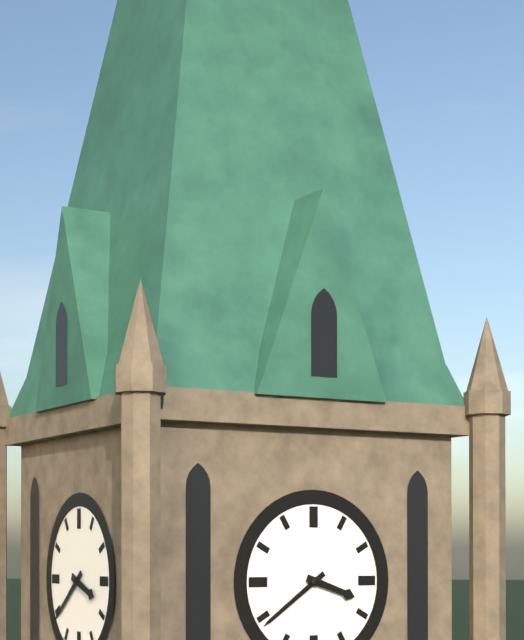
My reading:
3:39
